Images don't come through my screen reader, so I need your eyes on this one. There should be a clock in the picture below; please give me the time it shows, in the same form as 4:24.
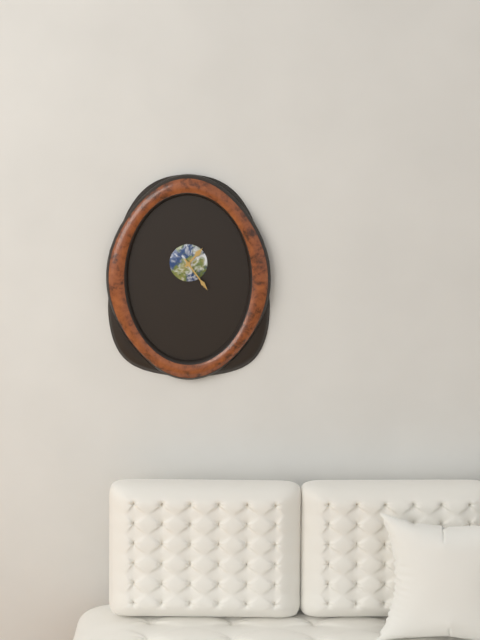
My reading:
1:24
